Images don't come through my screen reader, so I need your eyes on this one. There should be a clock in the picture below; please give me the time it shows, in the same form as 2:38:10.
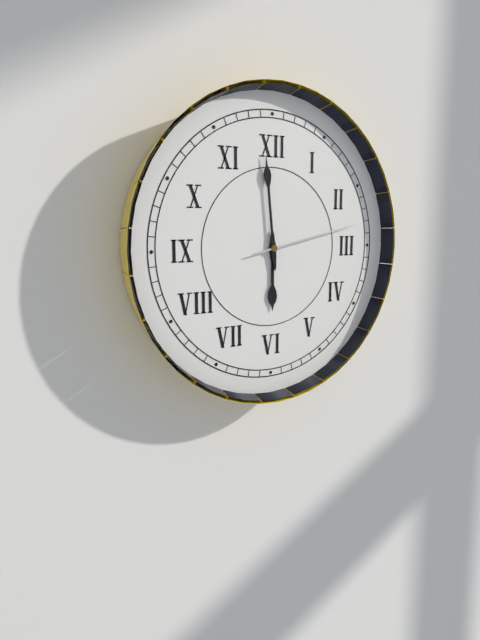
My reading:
5:59:13
